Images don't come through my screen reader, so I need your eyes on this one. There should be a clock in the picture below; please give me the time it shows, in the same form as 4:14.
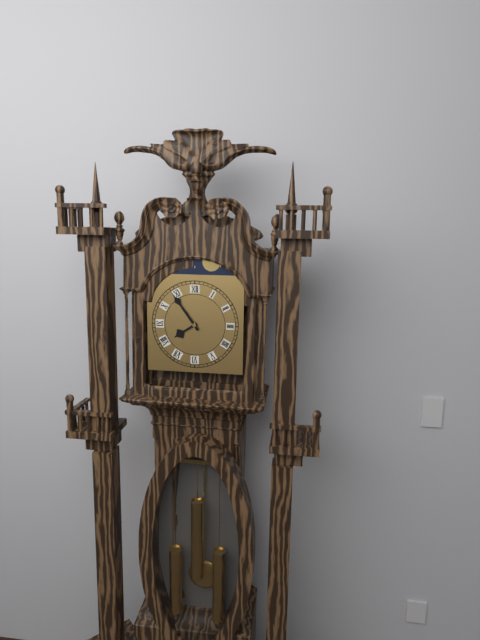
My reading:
7:54
